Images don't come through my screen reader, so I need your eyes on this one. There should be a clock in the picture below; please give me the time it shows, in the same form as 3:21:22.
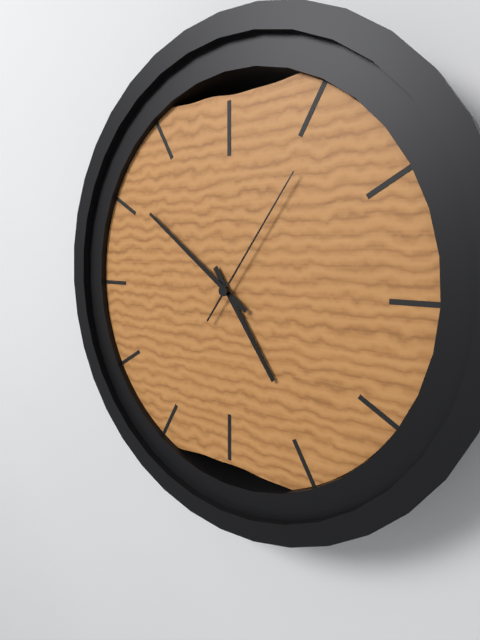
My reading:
4:51:06
